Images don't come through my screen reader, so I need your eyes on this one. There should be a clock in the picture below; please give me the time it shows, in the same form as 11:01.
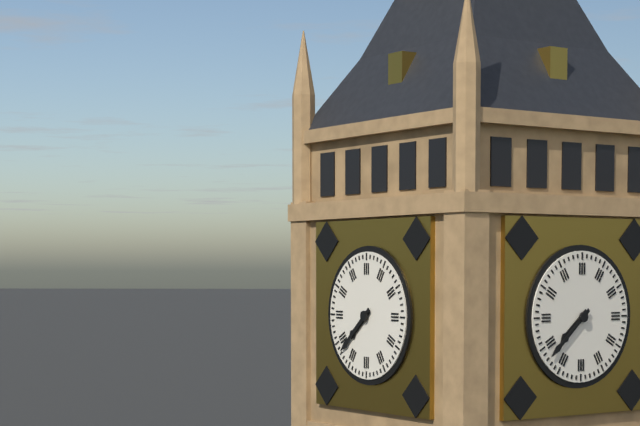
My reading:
7:38
